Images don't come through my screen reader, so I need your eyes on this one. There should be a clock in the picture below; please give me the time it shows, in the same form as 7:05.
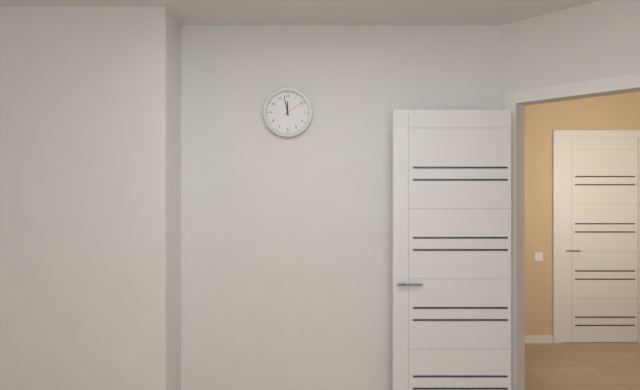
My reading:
11:58
